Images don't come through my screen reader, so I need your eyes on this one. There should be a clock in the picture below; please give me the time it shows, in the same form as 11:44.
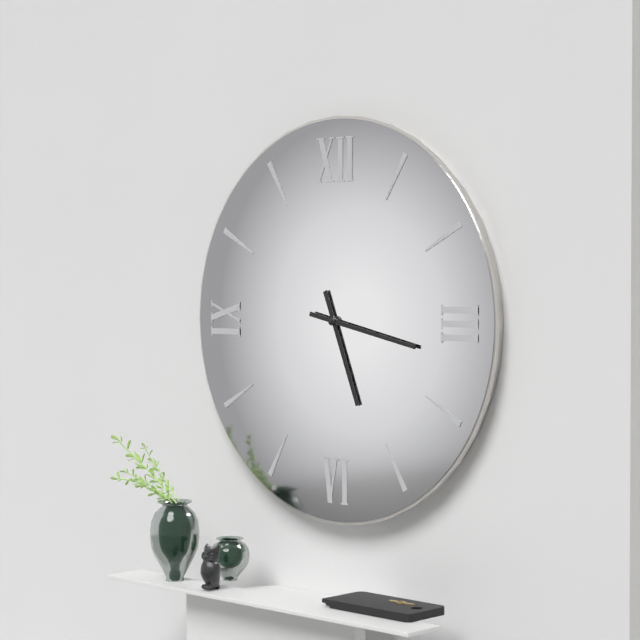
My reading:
5:17
